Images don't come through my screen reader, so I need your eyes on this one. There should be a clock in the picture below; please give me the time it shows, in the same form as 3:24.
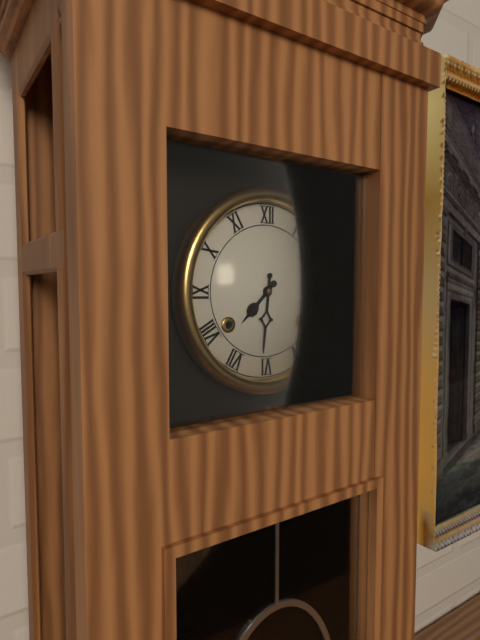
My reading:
7:31
